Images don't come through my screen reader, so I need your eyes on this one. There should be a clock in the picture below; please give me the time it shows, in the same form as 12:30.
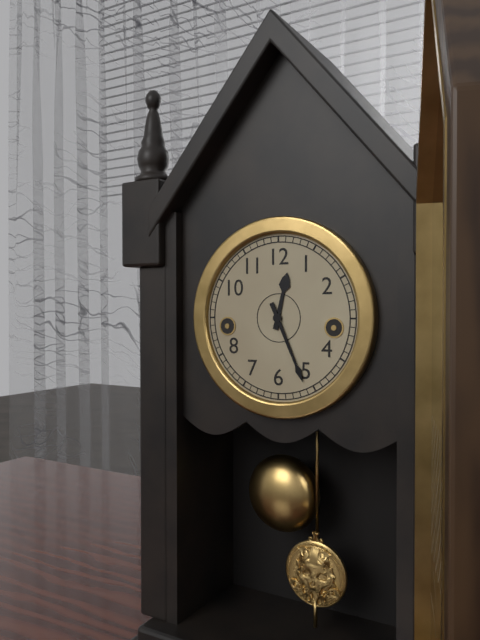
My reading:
12:26
